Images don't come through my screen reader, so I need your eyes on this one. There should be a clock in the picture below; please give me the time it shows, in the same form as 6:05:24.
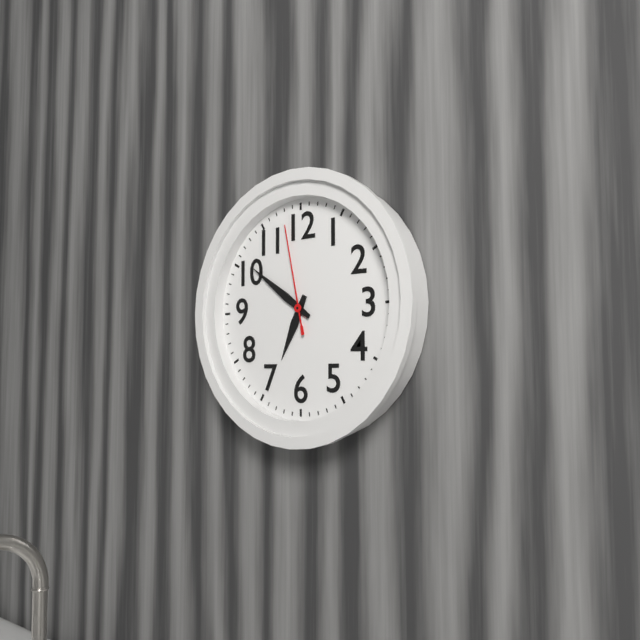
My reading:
6:51:58
